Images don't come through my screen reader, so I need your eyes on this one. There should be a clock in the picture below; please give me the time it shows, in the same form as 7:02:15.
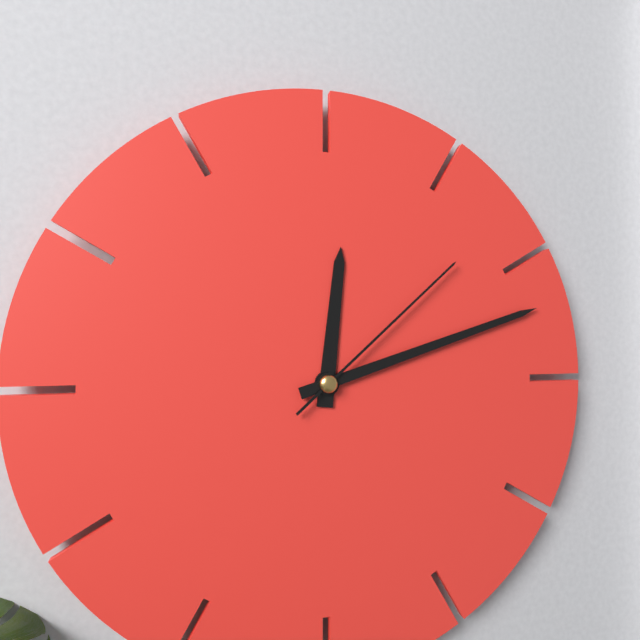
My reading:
12:12:08
